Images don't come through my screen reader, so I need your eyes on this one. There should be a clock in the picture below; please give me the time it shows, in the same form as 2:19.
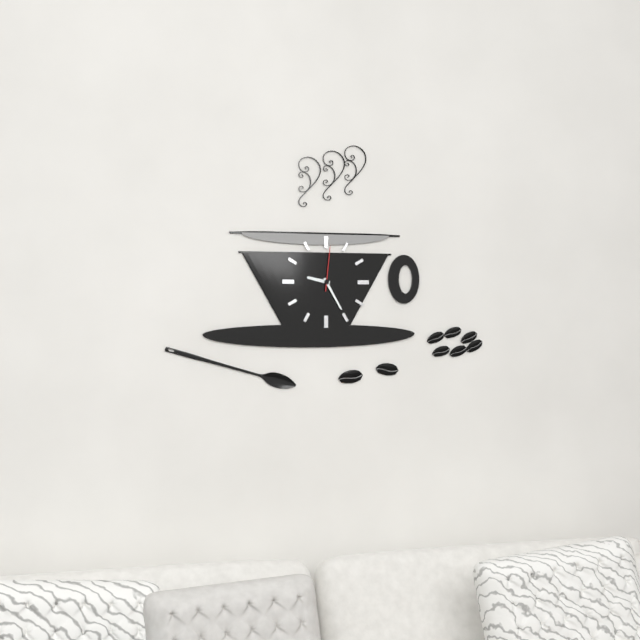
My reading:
9:25
